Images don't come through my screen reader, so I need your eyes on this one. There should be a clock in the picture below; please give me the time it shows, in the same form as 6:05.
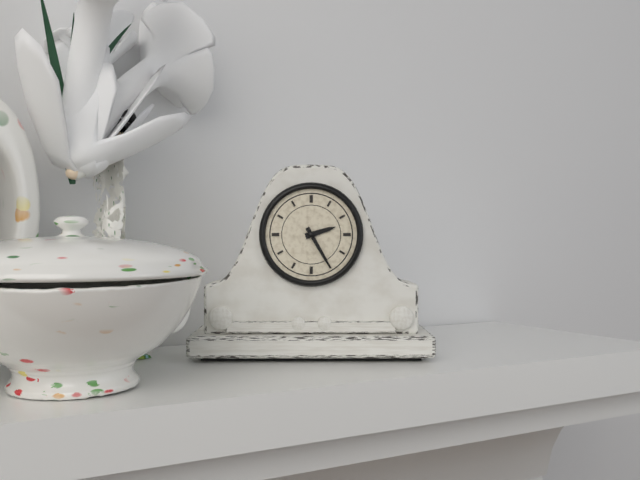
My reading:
2:25
